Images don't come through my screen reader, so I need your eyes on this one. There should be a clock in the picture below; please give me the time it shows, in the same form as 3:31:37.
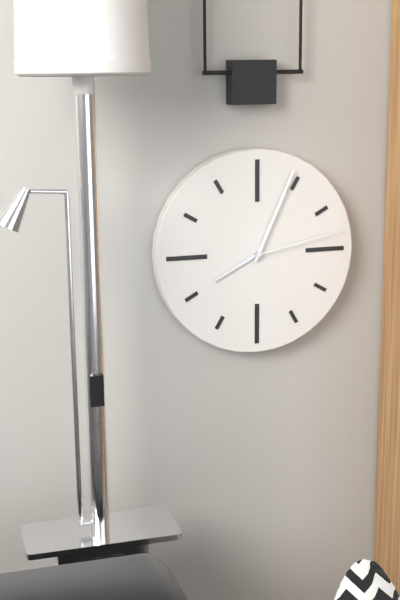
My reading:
8:04:13
